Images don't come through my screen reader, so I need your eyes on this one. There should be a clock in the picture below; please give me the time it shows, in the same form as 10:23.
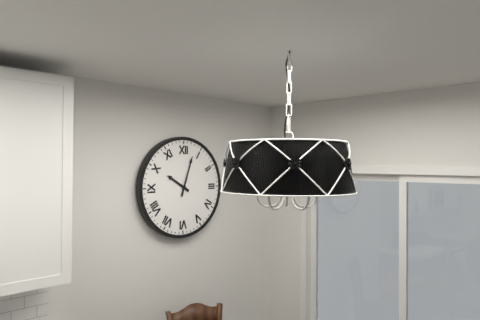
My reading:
10:03
